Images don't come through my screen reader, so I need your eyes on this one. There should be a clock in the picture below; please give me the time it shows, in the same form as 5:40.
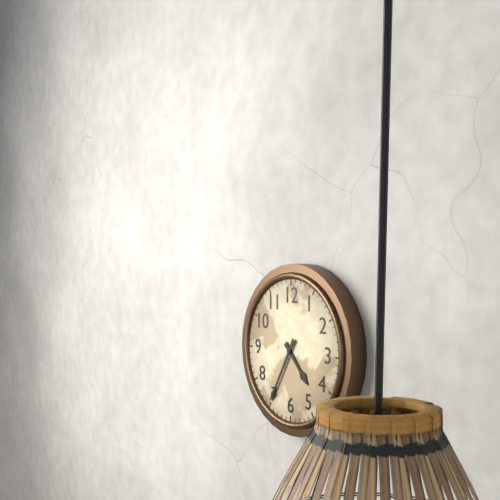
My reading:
4:35
